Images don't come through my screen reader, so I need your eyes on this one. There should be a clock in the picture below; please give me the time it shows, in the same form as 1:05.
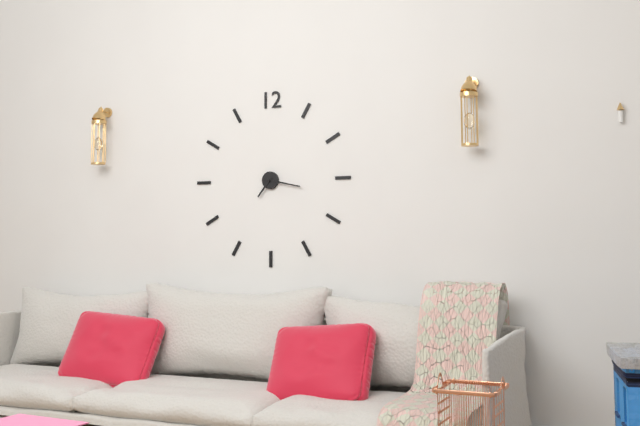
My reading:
7:17
